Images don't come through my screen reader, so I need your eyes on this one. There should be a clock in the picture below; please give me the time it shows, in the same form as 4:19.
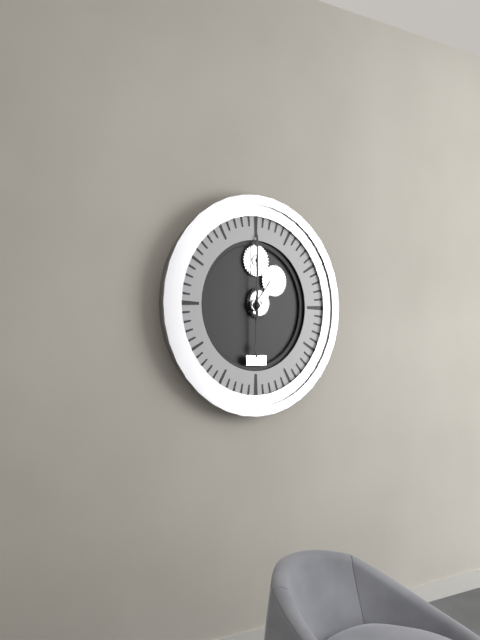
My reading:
6:00
